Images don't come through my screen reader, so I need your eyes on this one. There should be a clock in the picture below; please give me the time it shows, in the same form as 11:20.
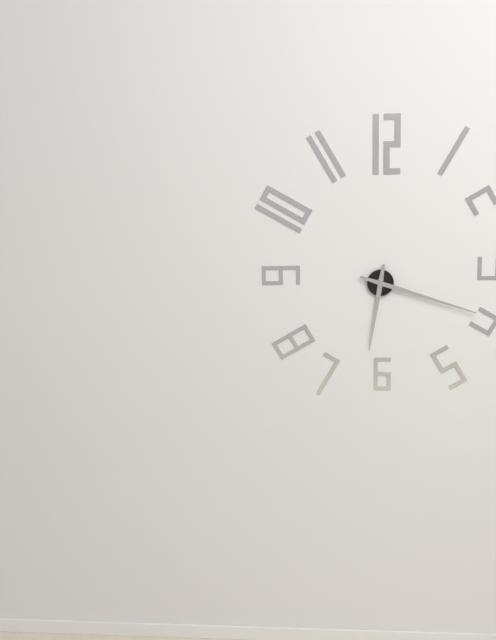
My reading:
6:18
